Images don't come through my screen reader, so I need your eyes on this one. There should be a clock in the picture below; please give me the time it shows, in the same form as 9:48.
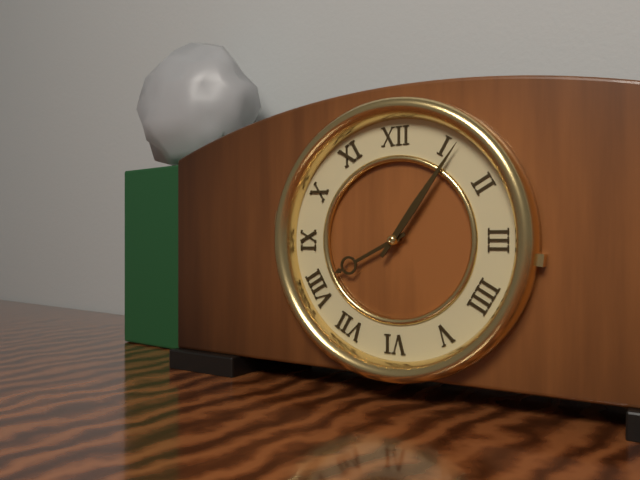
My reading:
8:06
